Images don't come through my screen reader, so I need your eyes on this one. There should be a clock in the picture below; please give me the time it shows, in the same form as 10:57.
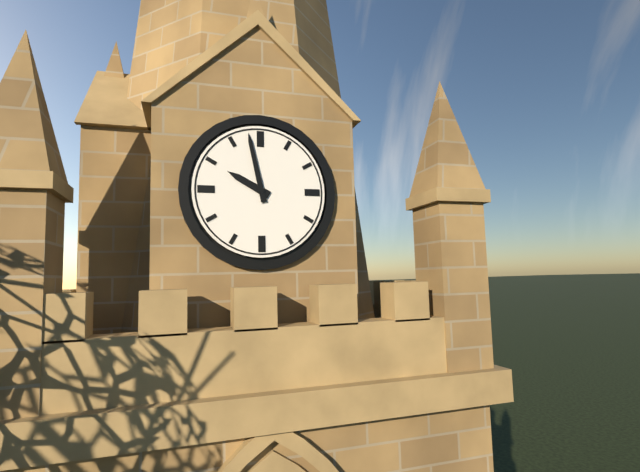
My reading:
9:58
